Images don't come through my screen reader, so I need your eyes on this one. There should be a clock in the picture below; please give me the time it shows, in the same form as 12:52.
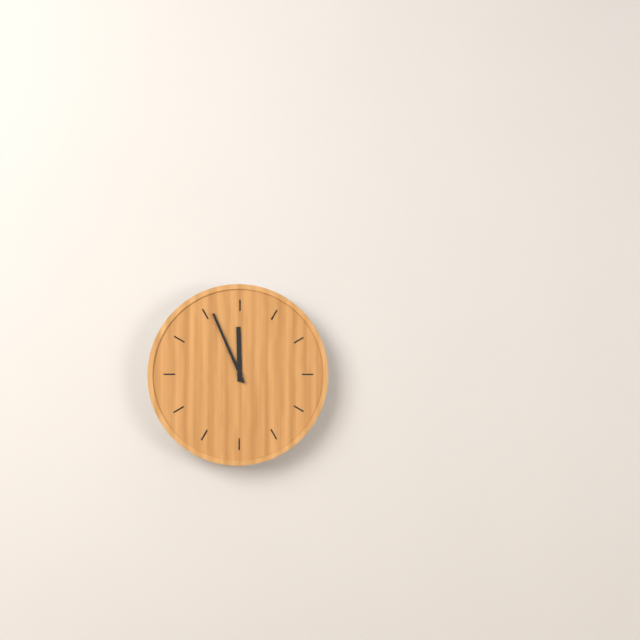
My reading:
11:56
